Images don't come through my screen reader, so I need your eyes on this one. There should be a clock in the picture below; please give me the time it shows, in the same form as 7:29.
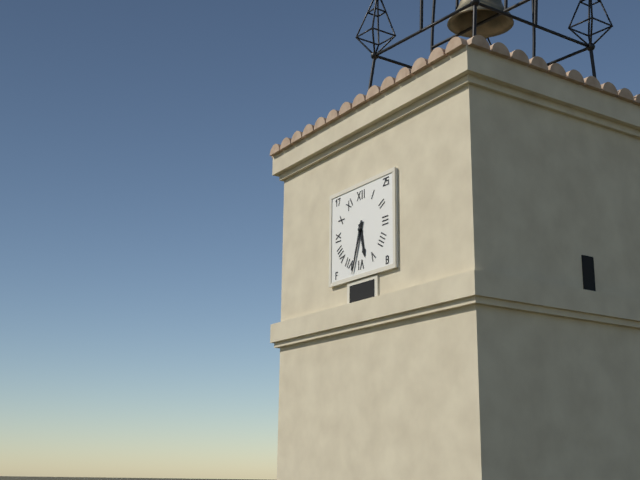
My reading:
5:33
